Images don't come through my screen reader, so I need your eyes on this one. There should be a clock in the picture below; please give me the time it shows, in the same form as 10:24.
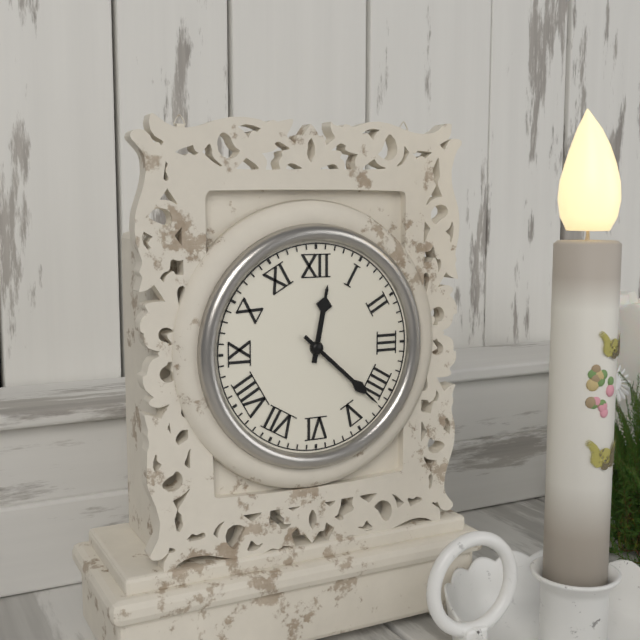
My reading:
12:22
